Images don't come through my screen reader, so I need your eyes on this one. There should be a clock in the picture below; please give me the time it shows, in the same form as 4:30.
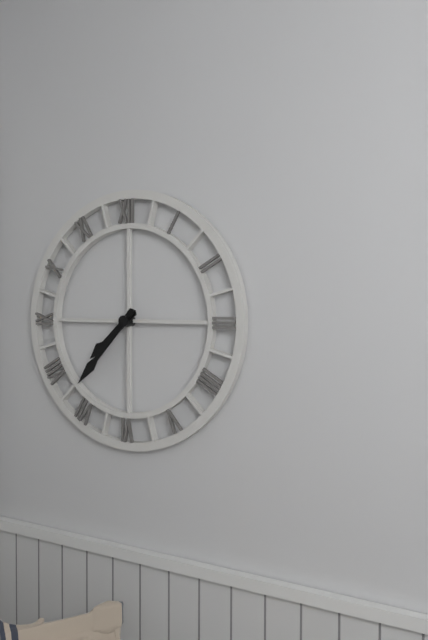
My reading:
7:37
